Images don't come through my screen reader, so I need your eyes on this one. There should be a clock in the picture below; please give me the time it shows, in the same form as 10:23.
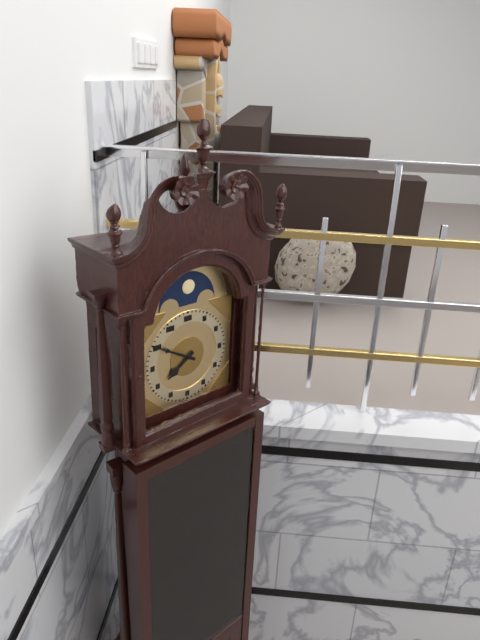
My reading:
7:50
